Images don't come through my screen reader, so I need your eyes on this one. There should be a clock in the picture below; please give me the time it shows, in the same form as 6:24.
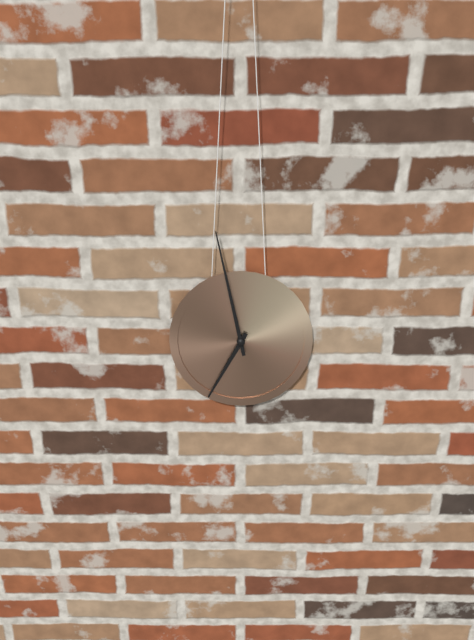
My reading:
6:58
